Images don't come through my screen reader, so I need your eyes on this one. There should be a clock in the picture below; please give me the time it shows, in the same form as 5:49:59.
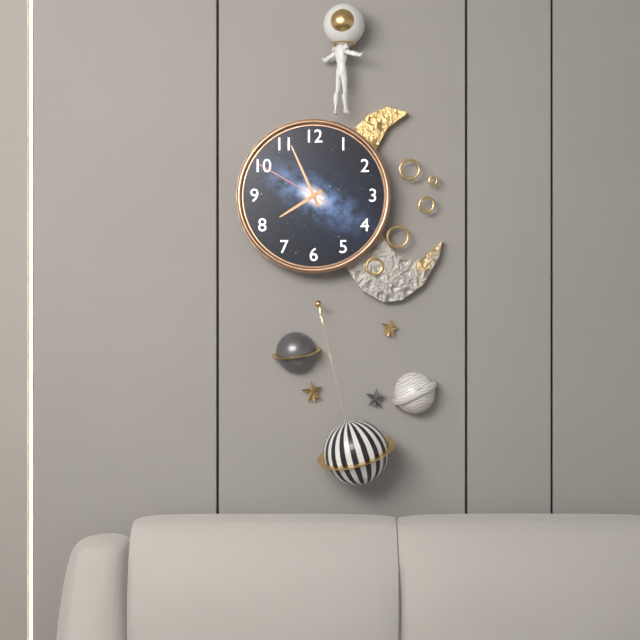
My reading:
7:56:50
